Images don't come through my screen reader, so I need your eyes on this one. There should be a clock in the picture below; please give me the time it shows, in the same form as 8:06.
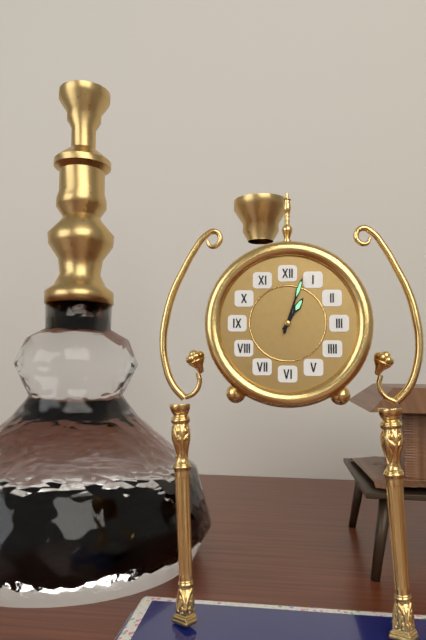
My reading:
1:03
